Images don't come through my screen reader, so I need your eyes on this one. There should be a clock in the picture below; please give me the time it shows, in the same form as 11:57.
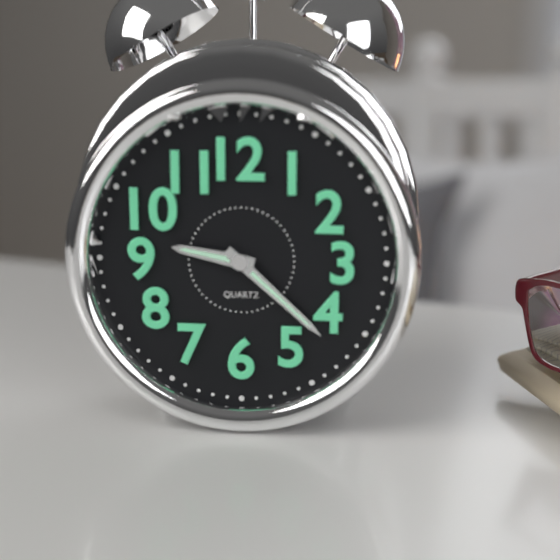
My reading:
9:22
